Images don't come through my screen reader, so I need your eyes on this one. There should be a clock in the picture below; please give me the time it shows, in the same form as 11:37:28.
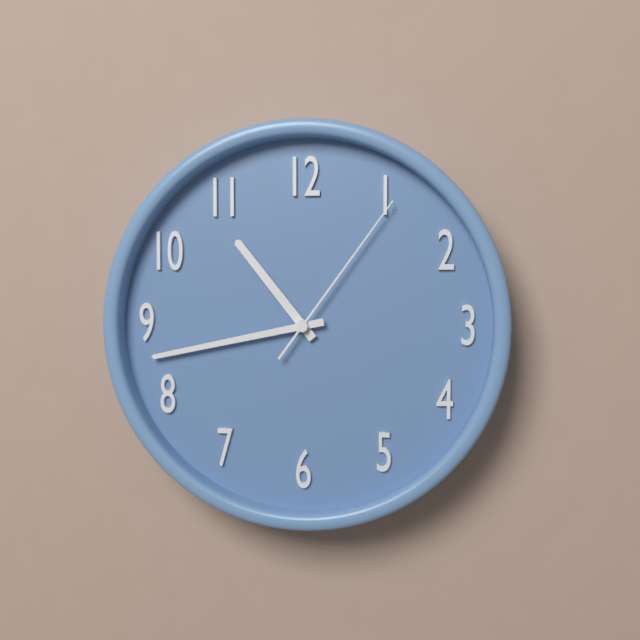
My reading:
10:43:06
